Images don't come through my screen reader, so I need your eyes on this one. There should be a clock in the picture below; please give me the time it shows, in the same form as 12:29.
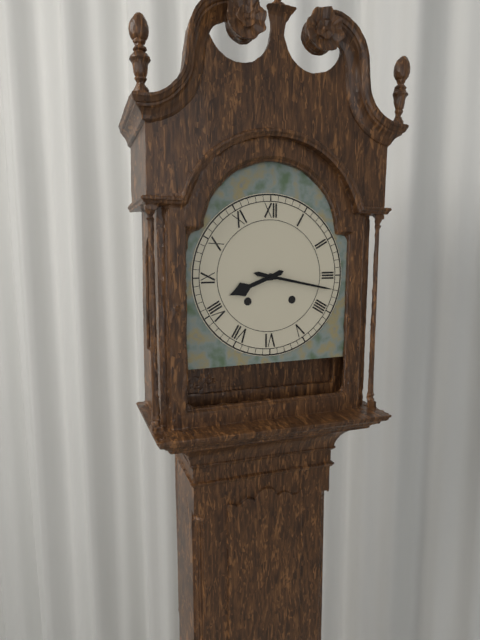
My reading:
8:17
